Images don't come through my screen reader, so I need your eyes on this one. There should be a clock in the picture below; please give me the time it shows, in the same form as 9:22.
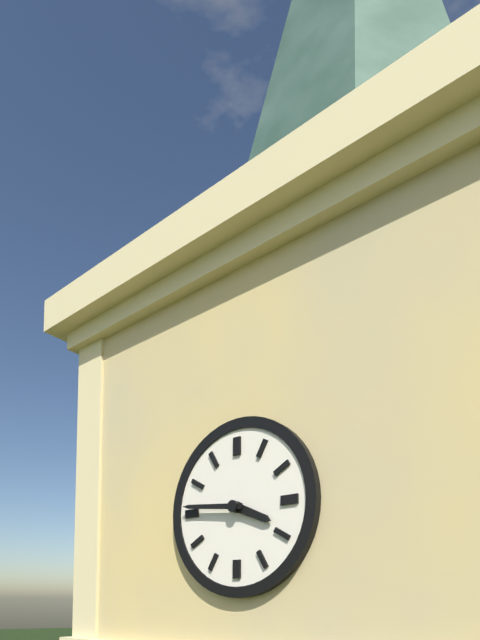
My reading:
3:46
